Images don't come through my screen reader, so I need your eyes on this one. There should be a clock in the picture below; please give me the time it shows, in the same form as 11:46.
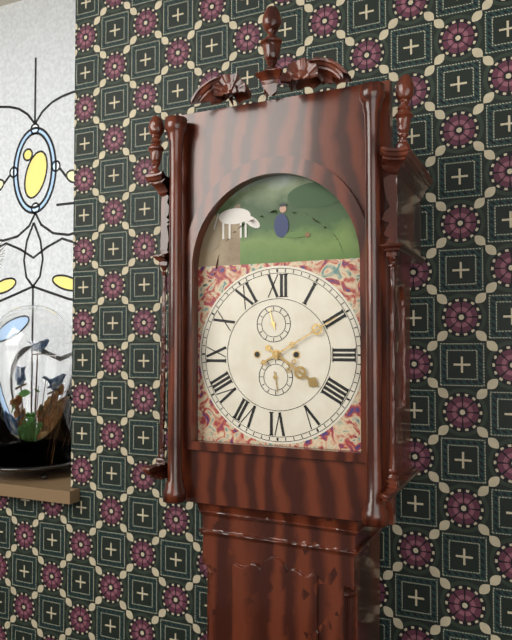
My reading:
4:10
